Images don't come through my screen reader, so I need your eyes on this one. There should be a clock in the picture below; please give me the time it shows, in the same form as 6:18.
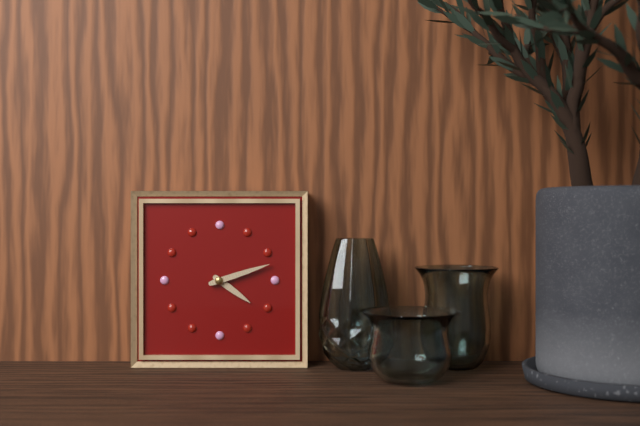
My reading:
4:12
